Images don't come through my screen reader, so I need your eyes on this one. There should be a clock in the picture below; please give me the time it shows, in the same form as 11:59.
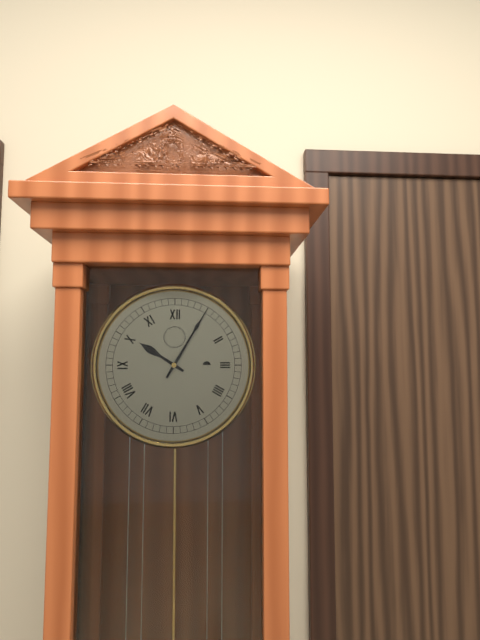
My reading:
10:05
